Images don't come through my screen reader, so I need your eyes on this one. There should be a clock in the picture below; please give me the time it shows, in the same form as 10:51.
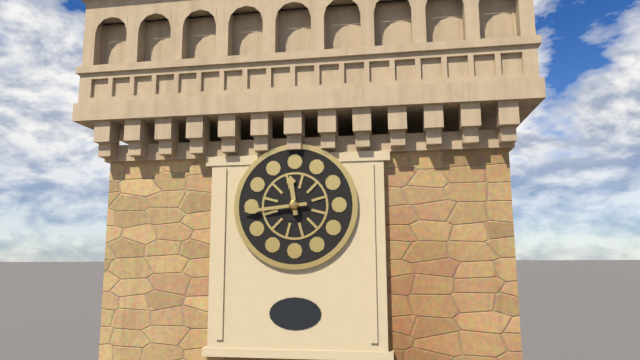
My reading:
11:44
